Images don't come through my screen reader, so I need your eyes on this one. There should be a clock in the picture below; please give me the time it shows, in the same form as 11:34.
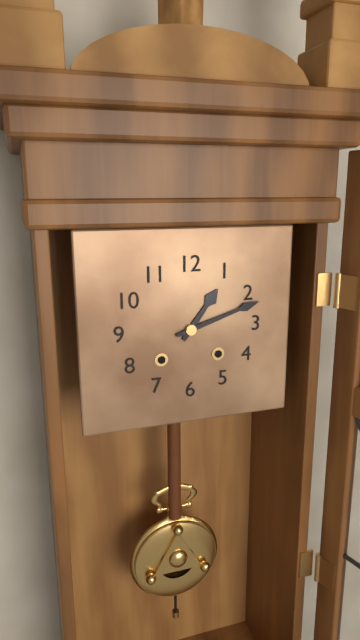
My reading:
1:12
